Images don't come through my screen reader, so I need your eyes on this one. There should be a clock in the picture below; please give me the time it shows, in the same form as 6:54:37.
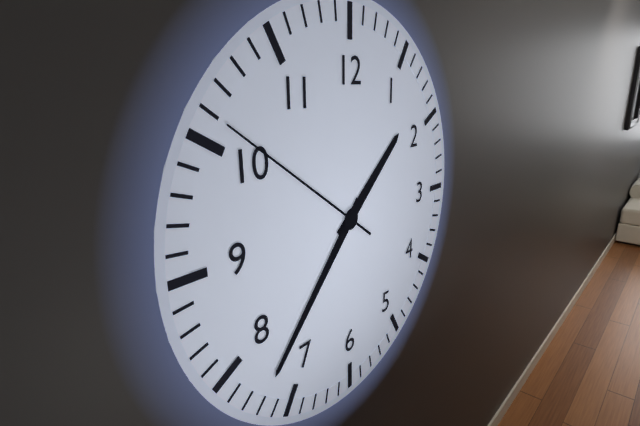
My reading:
1:37:51
